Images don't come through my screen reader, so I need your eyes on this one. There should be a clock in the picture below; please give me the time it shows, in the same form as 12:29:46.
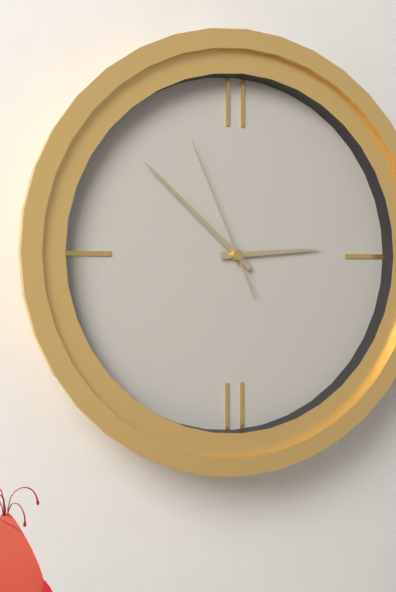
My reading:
2:52:56
